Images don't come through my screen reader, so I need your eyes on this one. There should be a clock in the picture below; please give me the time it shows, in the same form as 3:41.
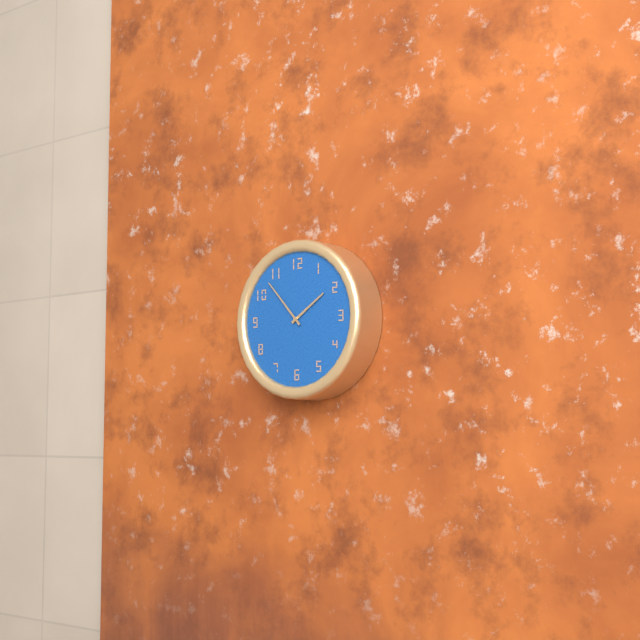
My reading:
1:53
